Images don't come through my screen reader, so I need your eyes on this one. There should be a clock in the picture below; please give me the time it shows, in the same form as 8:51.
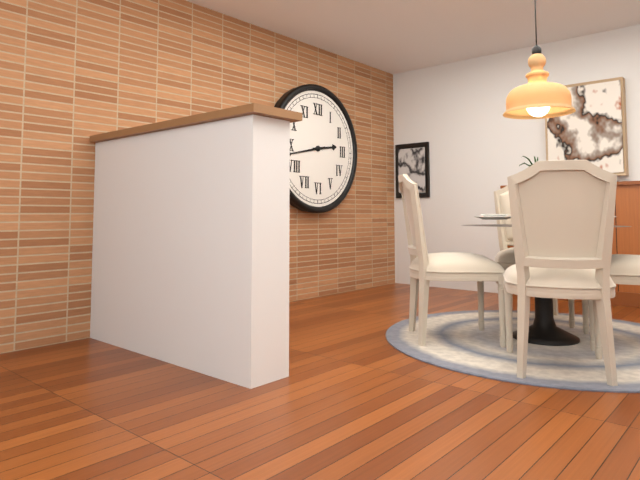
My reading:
2:43
